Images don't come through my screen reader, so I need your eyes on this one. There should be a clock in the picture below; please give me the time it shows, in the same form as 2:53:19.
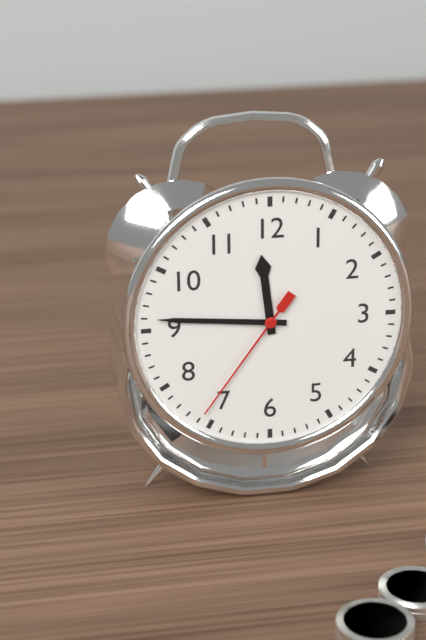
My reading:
11:46:36
